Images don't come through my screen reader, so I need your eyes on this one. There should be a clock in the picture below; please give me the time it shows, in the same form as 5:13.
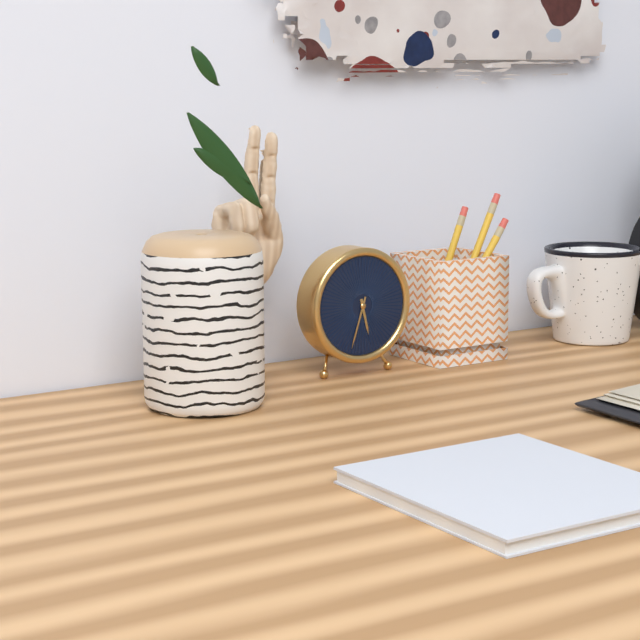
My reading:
5:33
